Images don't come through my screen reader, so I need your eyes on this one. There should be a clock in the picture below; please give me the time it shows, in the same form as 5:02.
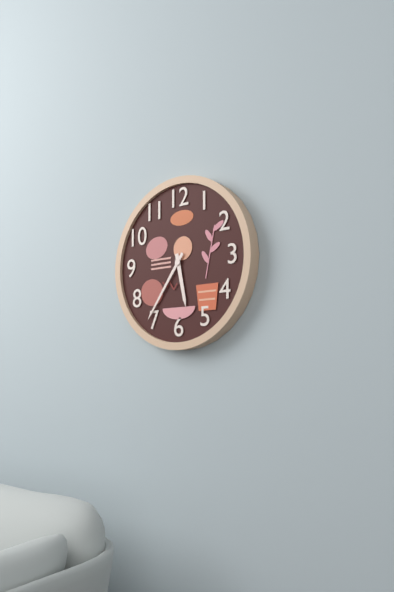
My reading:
5:36
